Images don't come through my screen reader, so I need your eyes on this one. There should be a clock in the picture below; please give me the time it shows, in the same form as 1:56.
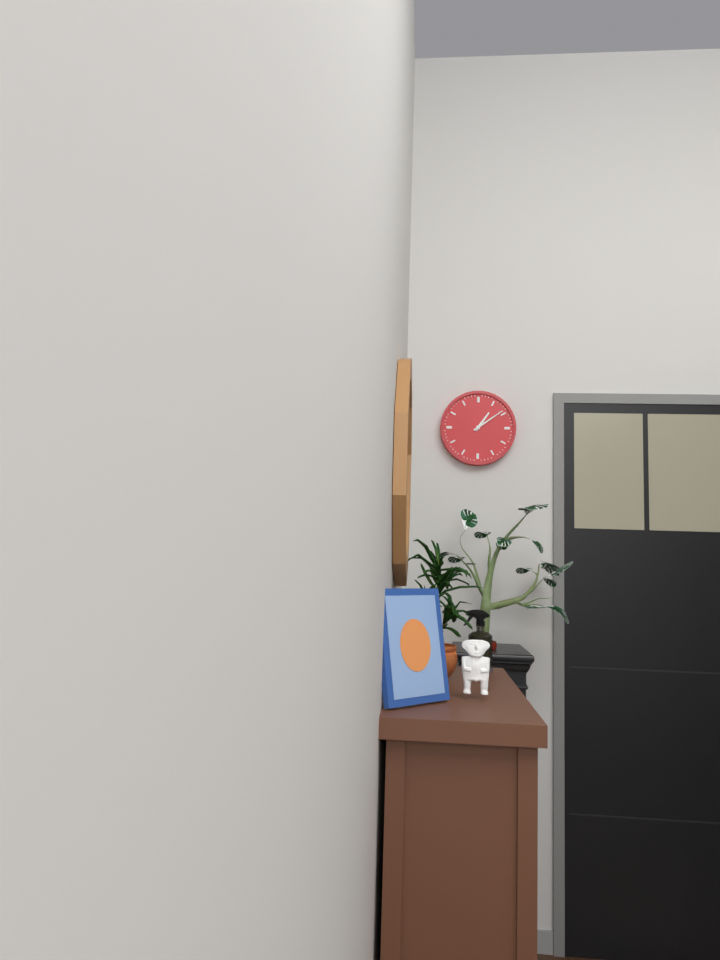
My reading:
1:09
